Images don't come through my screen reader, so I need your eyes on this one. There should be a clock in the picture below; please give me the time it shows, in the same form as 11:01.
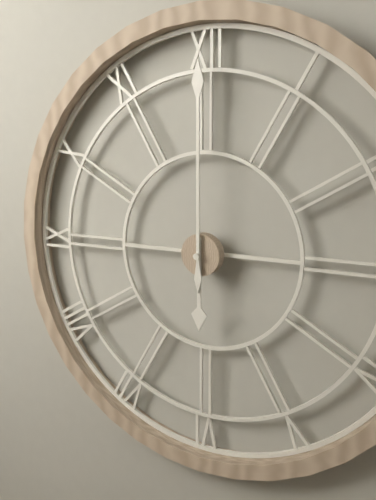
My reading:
6:00
